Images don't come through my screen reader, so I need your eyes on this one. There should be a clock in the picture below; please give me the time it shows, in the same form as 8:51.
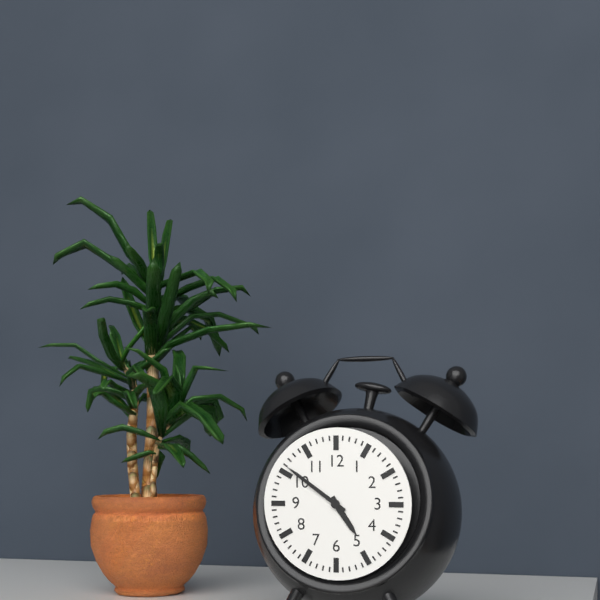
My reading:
4:51
